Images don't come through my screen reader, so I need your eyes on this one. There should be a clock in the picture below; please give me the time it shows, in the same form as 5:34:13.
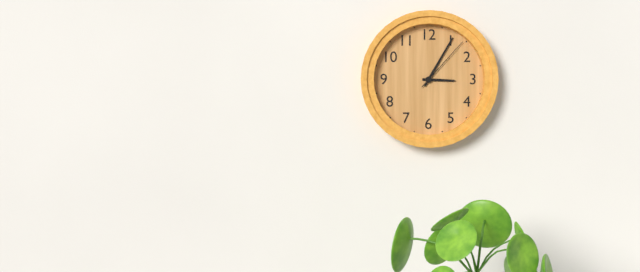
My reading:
3:05:07
